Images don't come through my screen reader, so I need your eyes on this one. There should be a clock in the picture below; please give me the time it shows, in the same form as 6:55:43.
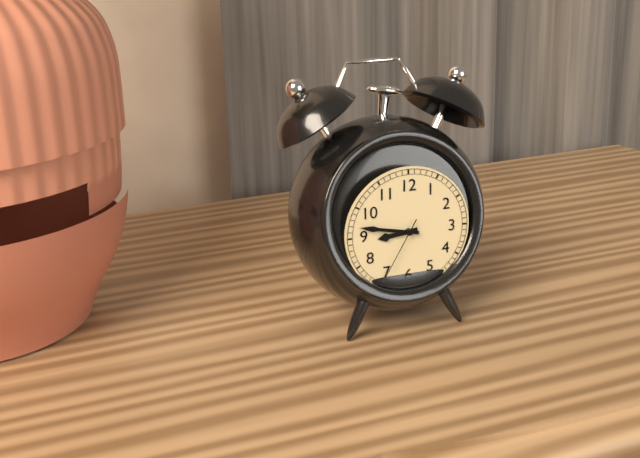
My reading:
8:47:35
